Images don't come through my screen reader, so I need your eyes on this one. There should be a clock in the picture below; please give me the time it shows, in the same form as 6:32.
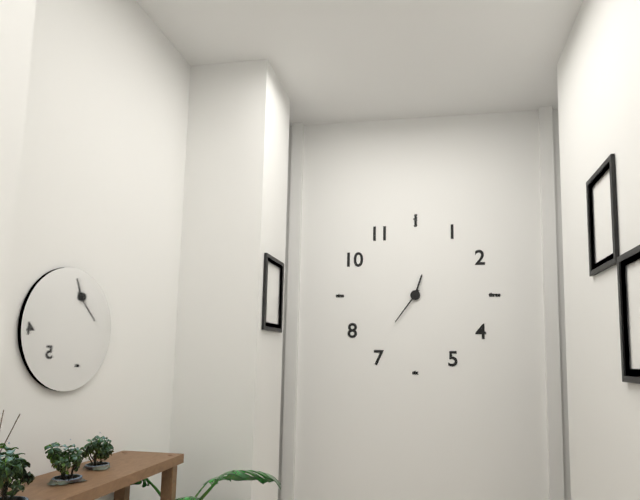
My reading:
12:36
